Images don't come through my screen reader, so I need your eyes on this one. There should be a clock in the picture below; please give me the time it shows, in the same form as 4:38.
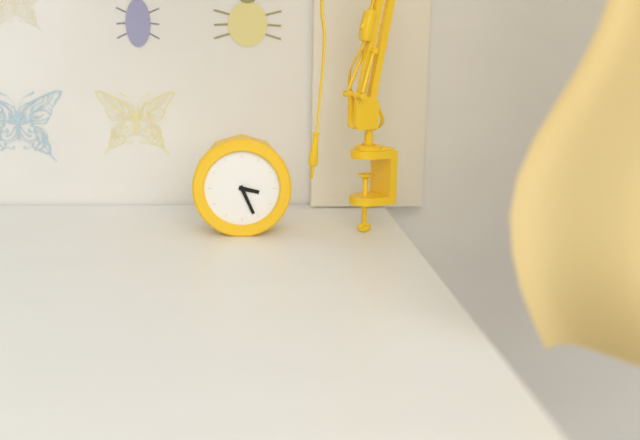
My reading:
3:26
